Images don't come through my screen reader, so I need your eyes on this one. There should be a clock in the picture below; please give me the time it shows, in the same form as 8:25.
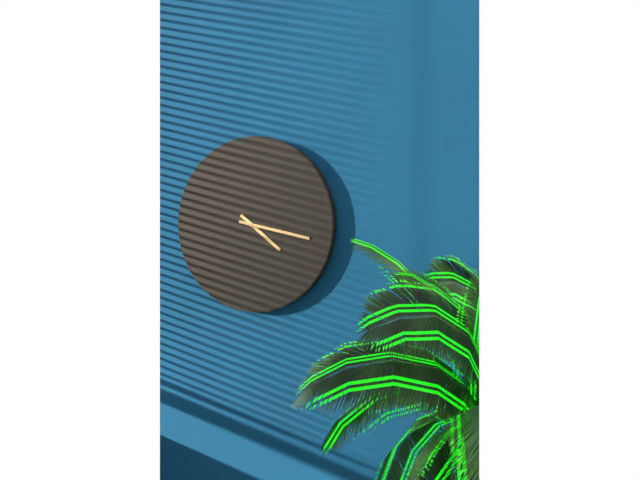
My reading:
4:17
